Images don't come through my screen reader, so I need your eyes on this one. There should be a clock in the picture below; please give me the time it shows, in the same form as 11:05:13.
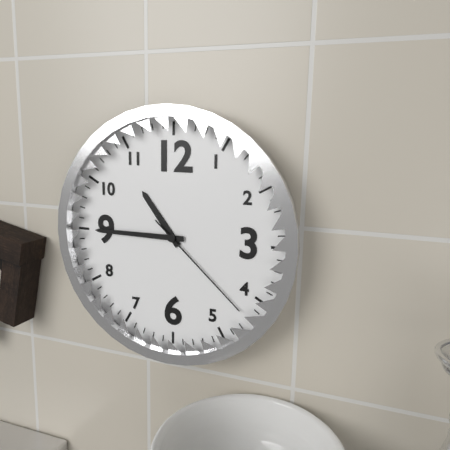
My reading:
10:45:22
